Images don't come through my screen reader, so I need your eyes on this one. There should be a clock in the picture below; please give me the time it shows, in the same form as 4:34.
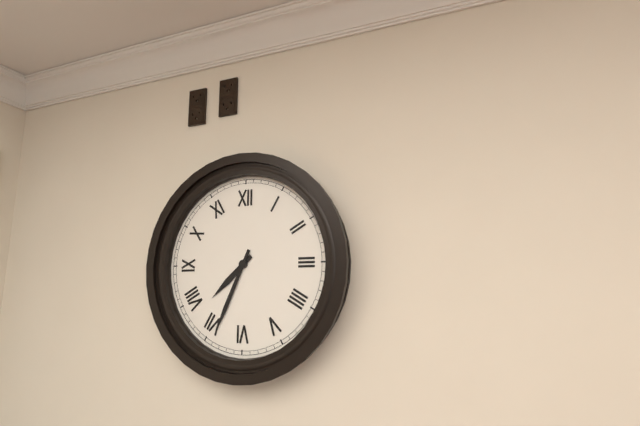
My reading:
7:34
